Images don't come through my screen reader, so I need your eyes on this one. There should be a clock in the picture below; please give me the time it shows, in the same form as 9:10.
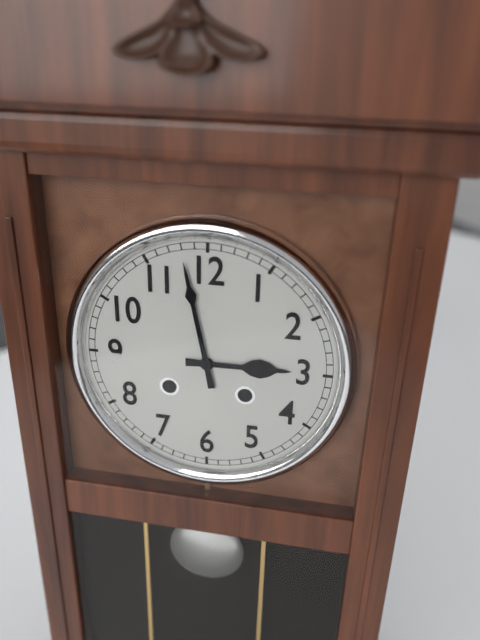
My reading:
2:58
